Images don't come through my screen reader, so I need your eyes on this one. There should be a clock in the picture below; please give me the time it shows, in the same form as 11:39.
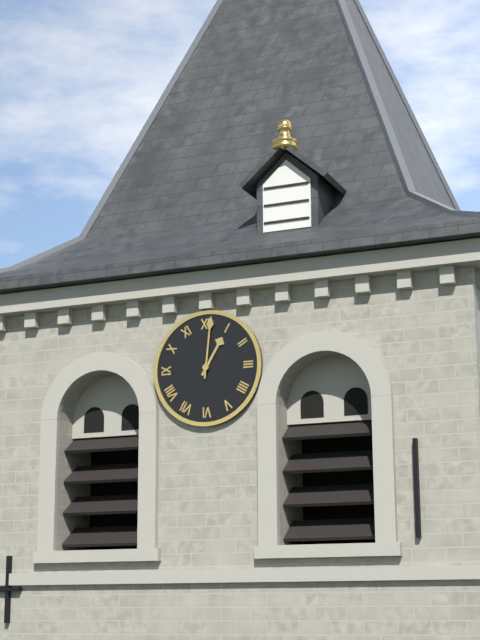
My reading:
1:01
